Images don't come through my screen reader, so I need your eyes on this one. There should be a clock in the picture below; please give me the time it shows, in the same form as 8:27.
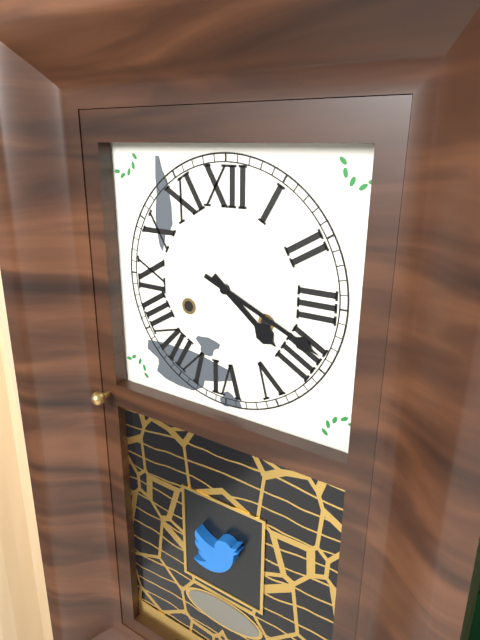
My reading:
4:19
